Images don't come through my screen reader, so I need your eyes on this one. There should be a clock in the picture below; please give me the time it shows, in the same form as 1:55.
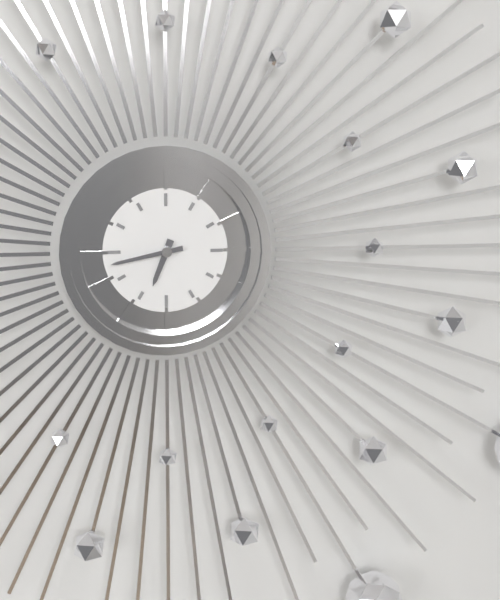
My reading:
6:43
